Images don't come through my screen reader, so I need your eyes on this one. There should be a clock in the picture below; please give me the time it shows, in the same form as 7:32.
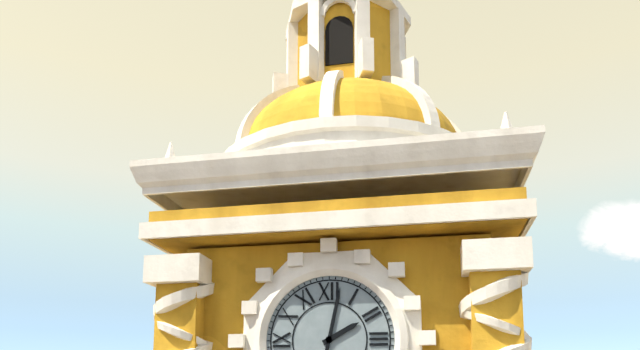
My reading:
2:02
